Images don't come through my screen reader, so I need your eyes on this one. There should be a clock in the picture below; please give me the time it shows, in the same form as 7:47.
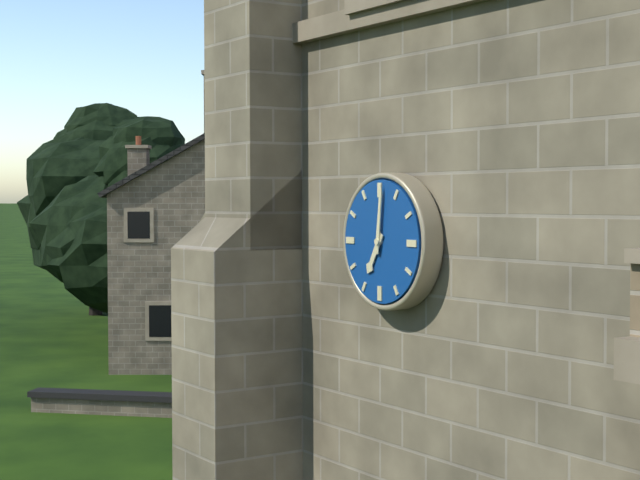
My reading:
7:01
